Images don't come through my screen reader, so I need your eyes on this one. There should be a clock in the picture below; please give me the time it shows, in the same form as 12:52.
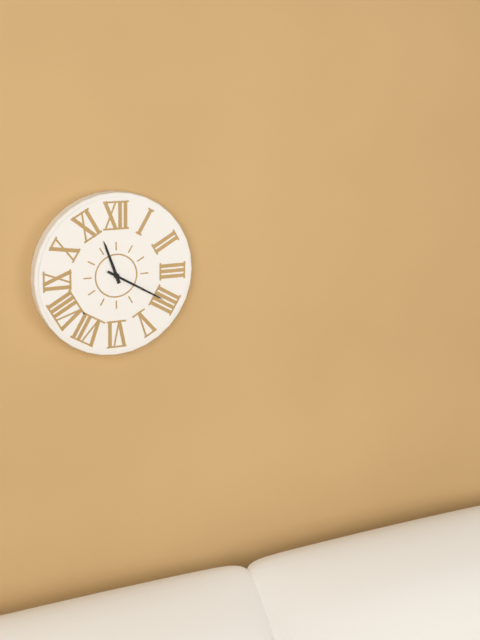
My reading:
11:20
